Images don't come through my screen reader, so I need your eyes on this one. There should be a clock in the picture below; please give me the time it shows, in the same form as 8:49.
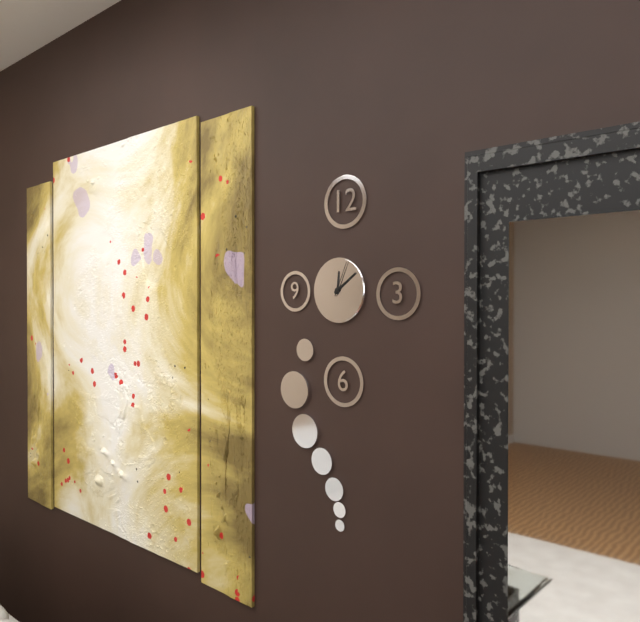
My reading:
12:09
